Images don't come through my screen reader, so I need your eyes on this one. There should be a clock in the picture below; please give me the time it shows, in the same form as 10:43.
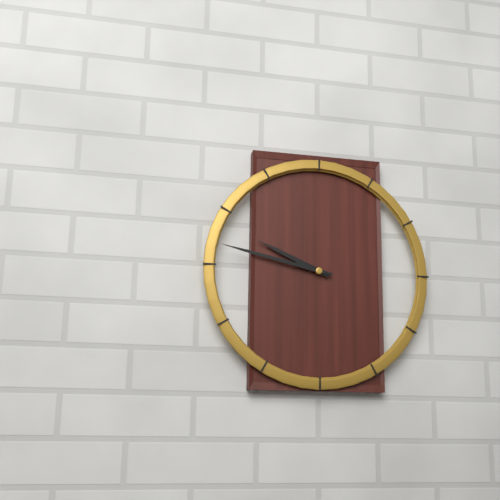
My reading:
9:47
